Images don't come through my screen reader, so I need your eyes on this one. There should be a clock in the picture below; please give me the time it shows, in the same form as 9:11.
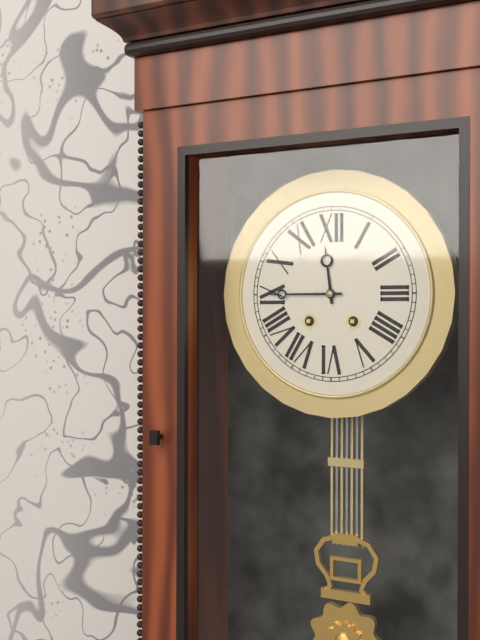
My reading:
11:45
